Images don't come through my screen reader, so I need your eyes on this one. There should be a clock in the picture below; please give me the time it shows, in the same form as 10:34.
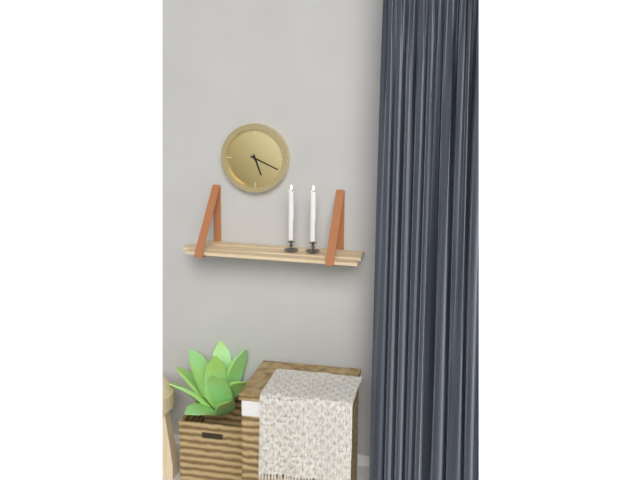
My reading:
5:19
